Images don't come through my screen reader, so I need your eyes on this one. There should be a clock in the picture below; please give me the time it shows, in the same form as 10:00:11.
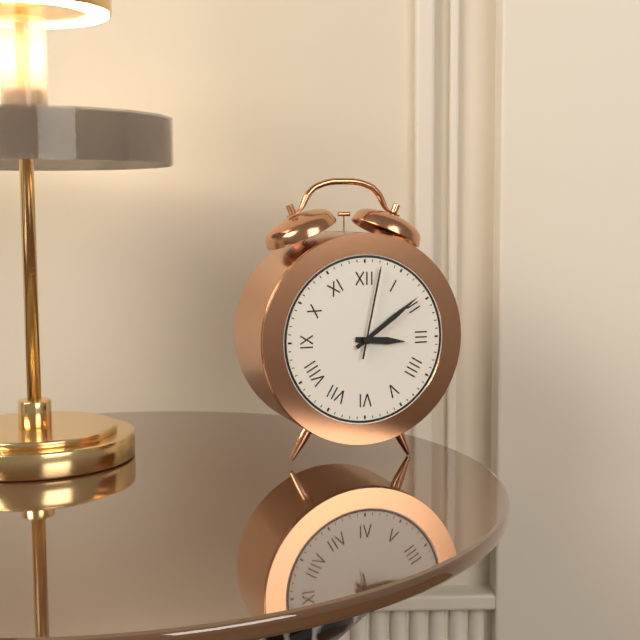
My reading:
3:09:02
